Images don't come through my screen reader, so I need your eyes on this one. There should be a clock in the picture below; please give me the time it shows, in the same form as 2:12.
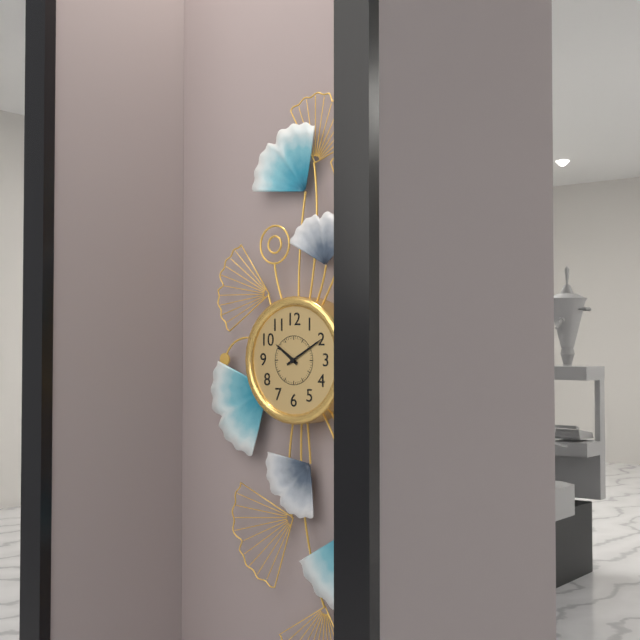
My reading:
10:10
